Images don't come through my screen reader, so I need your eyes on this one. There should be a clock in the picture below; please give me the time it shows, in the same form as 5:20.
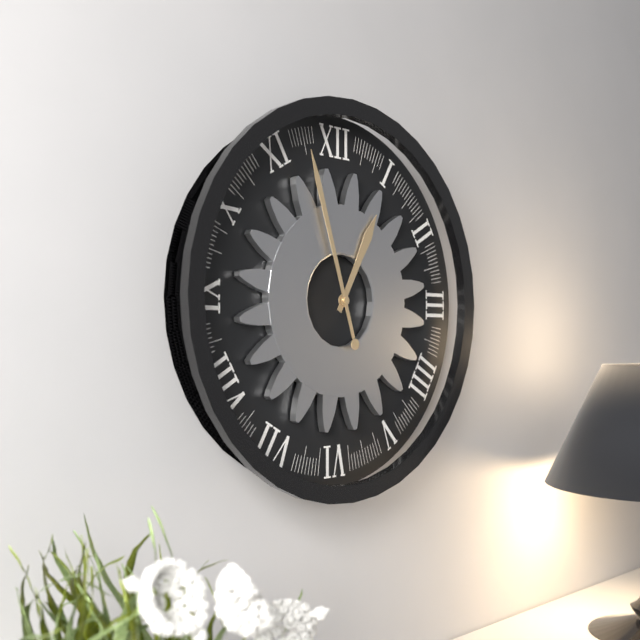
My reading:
12:57
